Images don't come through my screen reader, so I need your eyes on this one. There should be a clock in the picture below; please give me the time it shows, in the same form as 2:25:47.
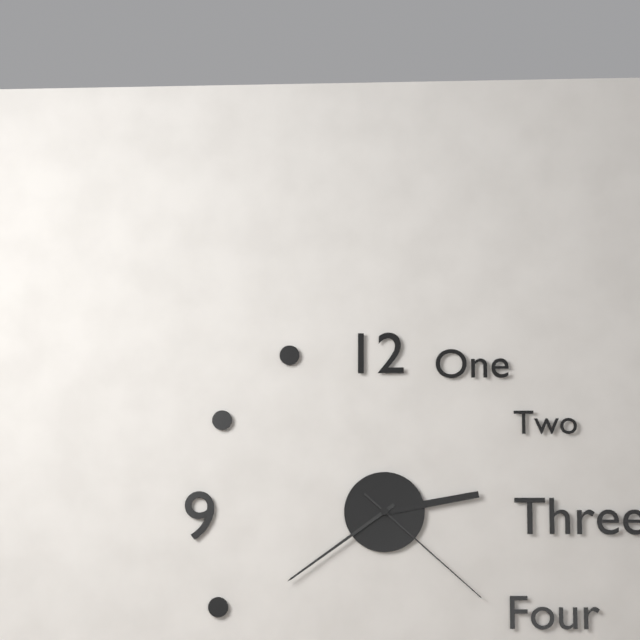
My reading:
2:39:22
